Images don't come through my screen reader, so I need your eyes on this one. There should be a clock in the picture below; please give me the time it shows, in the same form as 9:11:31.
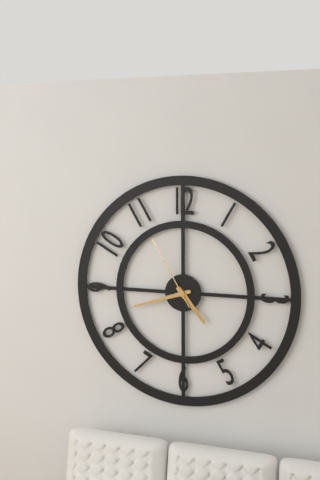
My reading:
4:42:55
